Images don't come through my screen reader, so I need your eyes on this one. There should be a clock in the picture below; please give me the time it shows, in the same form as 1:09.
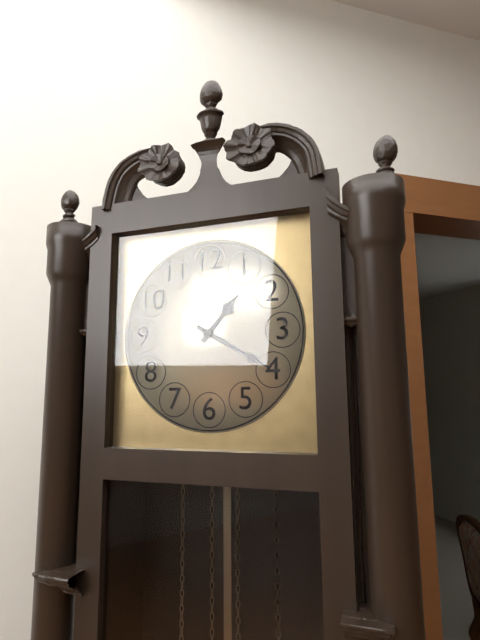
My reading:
1:20
